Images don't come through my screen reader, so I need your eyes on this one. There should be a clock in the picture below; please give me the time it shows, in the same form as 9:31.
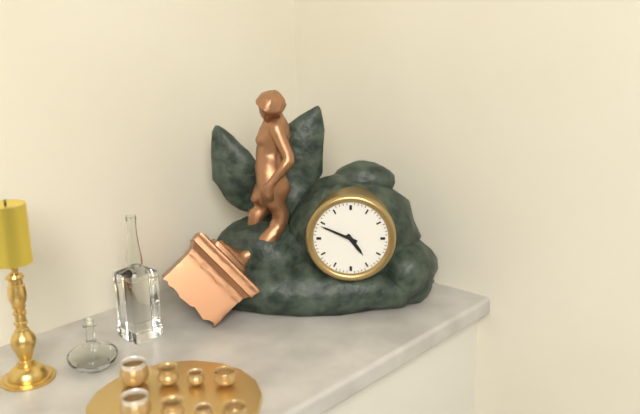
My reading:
4:49
